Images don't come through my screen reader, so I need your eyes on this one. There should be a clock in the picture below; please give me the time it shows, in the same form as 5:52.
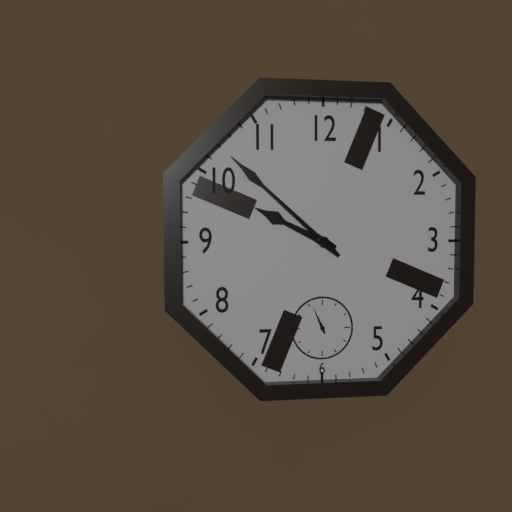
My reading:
9:52
